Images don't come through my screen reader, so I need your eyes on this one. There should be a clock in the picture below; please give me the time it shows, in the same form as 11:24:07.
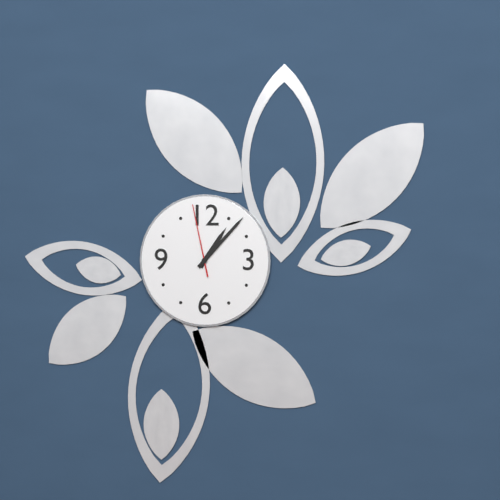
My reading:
1:07:58
